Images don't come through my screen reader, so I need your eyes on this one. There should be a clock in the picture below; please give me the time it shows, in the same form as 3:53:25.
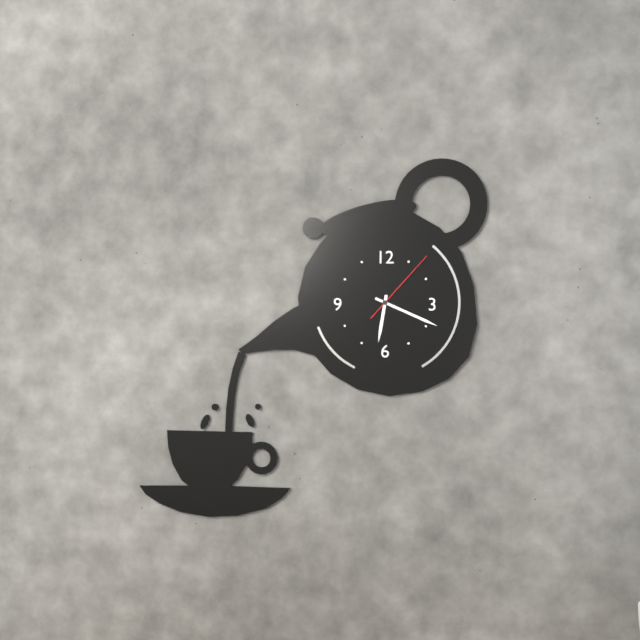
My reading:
6:19:07
